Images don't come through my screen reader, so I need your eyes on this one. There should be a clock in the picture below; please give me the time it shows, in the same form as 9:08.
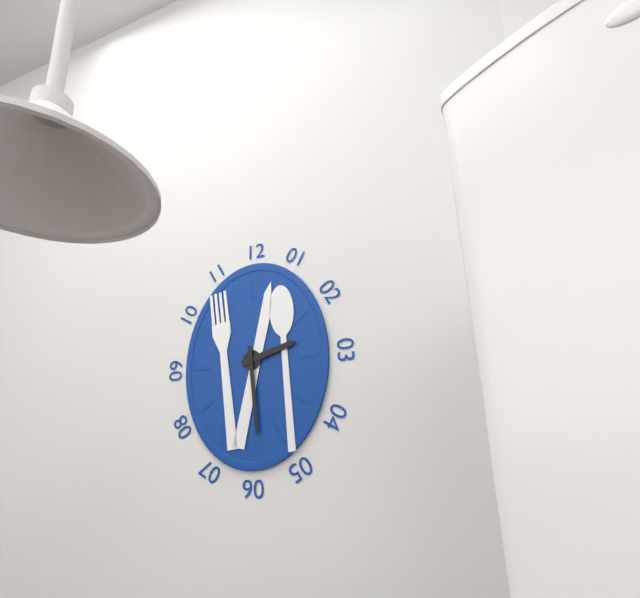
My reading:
2:29
